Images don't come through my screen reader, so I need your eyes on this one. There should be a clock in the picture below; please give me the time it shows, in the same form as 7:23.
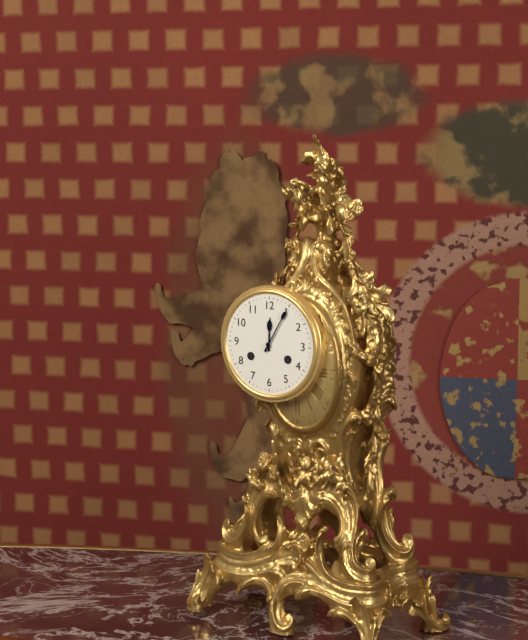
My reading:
12:05
